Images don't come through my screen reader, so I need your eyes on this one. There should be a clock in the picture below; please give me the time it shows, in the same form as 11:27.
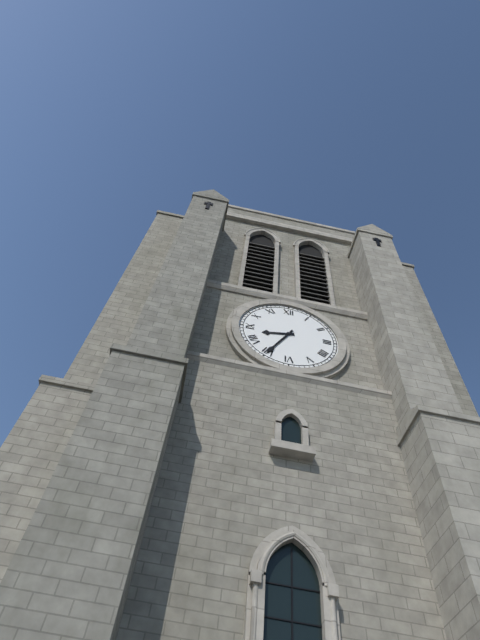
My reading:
8:35
